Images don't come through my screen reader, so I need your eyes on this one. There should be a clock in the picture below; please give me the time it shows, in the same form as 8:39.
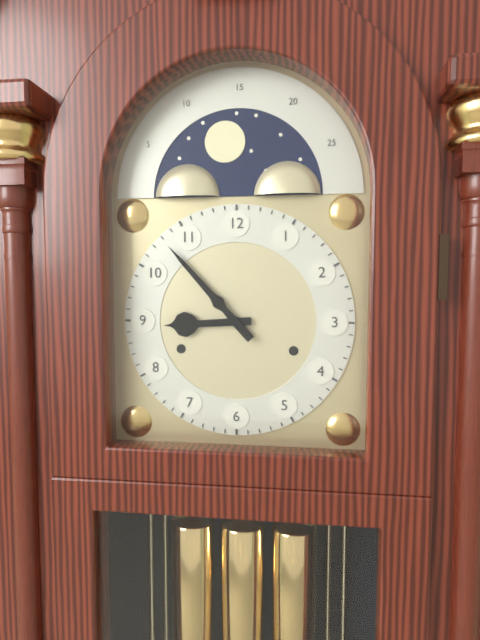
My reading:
8:53
